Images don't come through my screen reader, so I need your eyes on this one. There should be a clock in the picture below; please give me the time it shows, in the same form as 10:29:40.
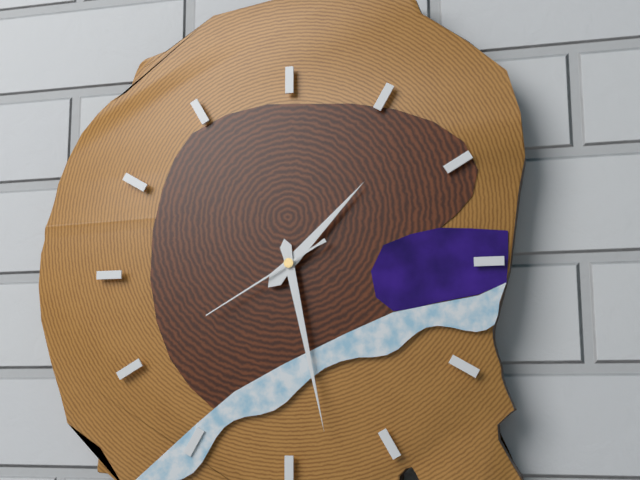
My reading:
1:28:40
